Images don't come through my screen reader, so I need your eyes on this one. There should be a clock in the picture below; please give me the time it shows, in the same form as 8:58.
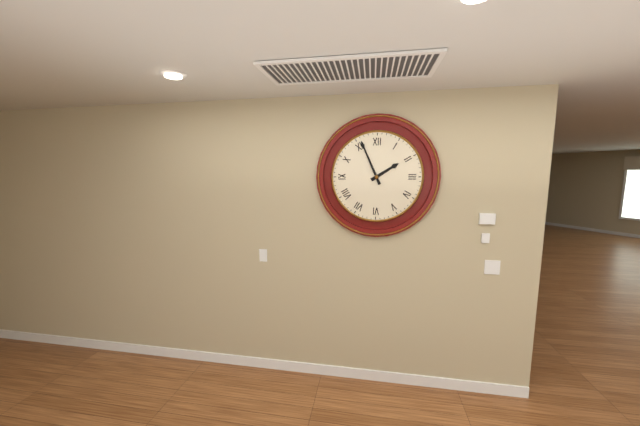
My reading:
1:56
